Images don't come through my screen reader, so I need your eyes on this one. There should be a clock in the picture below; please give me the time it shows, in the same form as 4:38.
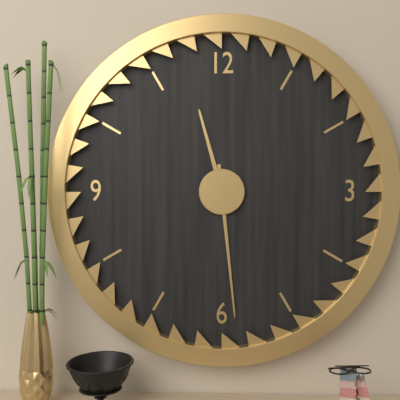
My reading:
11:29
